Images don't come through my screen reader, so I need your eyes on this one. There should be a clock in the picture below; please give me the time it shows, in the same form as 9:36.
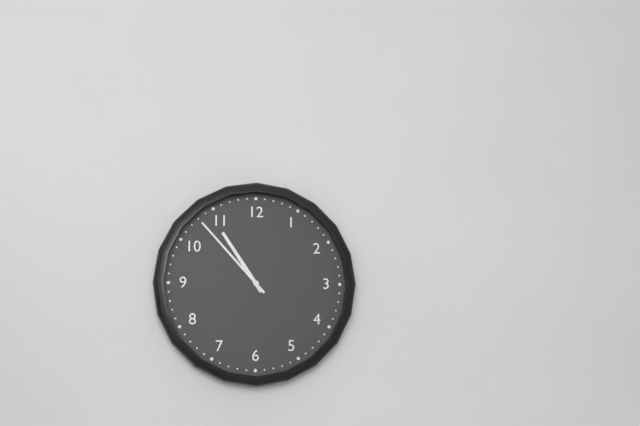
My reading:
10:53
